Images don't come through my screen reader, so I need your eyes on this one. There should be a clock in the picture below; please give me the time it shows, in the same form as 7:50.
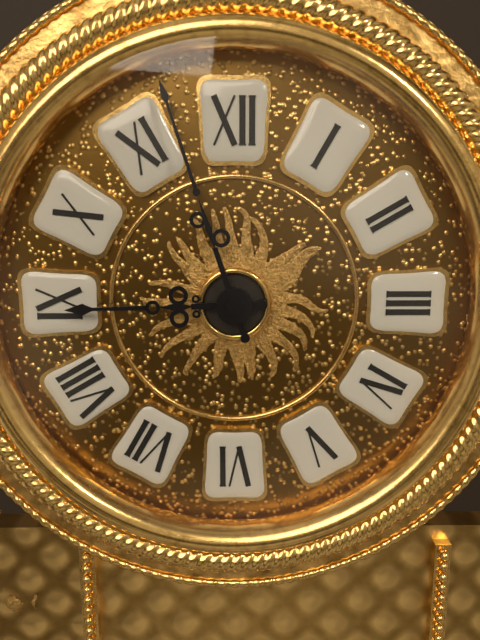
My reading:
8:57
